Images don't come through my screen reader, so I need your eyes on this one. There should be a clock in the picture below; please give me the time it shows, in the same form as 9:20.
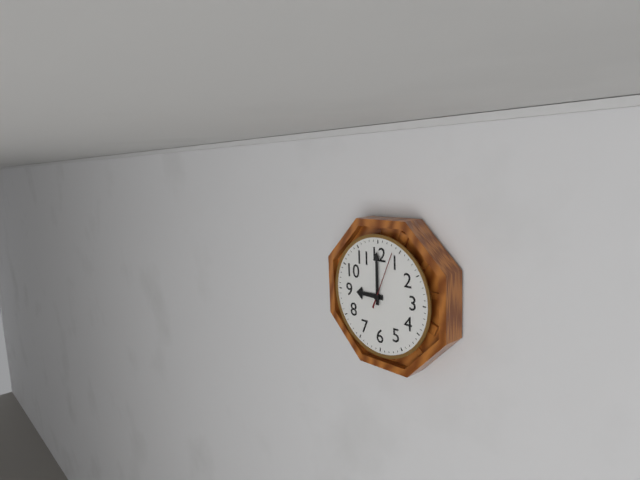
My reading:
9:00
